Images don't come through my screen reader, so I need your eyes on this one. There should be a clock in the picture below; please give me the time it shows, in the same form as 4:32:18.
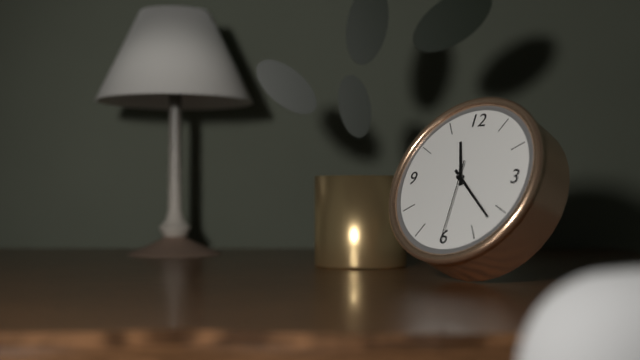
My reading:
11:22:30
